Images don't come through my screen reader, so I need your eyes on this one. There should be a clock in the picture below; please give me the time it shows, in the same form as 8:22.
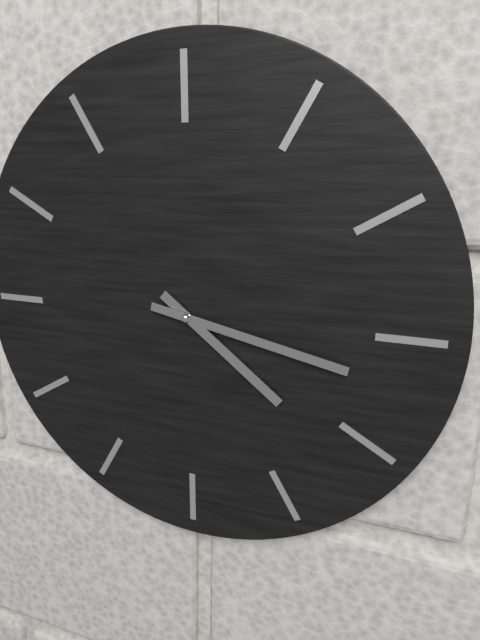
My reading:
4:17
